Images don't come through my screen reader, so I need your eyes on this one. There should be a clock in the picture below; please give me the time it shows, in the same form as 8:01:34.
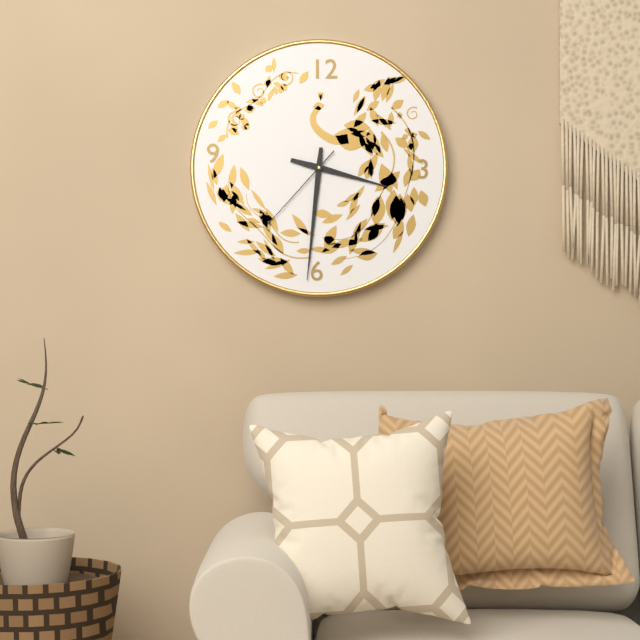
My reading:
3:31:37
